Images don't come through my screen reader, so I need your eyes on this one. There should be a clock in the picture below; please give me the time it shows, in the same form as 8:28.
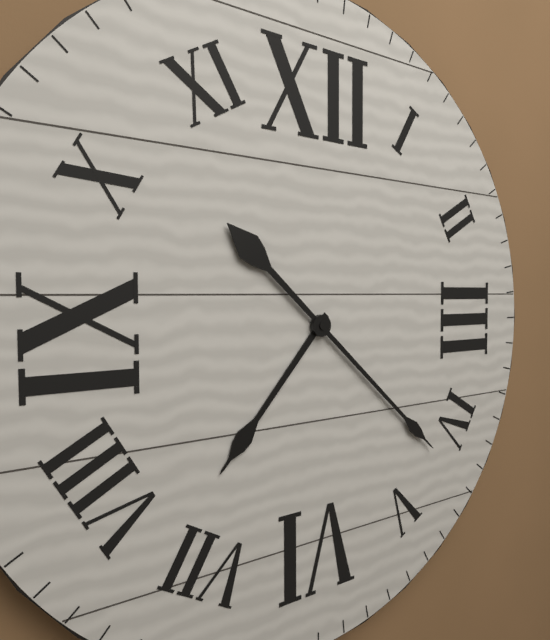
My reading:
7:22
